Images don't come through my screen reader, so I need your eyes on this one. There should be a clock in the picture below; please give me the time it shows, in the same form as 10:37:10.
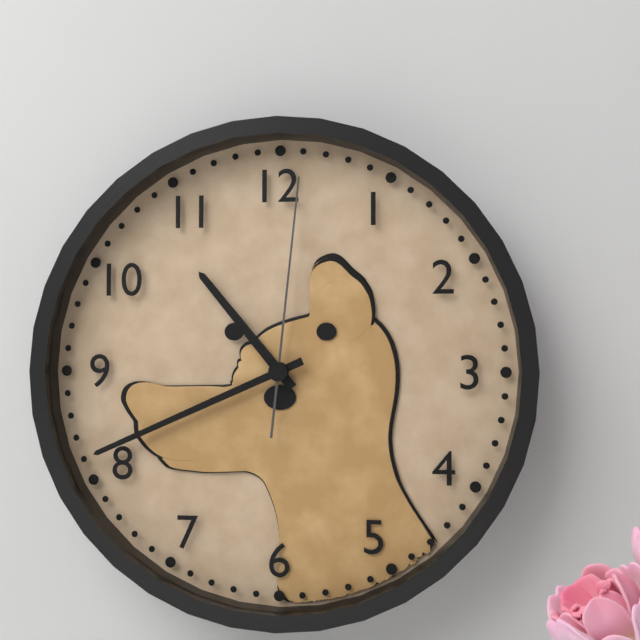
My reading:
10:41:01
